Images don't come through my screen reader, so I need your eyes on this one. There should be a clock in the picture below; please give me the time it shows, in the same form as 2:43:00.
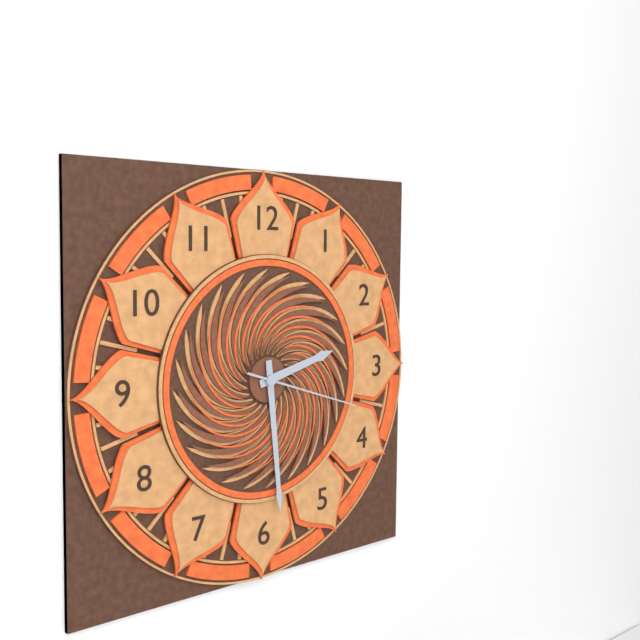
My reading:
2:29:18
